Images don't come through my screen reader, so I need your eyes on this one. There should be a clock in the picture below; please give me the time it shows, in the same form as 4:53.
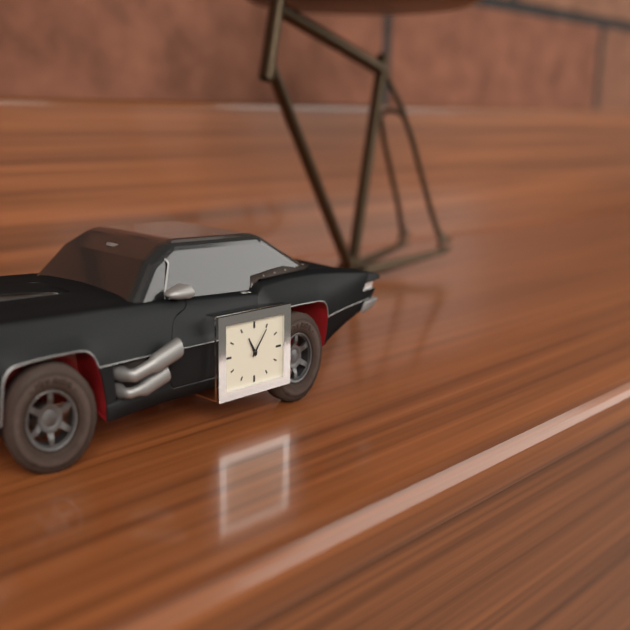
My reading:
11:06
